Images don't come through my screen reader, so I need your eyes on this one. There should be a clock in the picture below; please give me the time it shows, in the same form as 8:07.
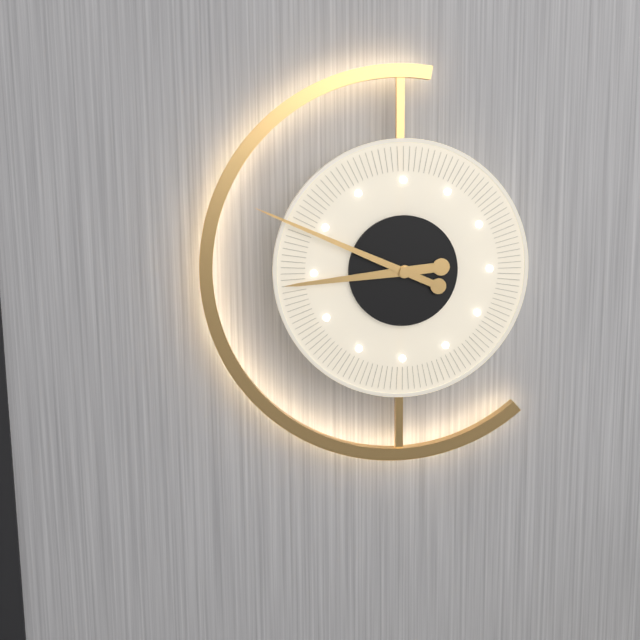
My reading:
8:49
